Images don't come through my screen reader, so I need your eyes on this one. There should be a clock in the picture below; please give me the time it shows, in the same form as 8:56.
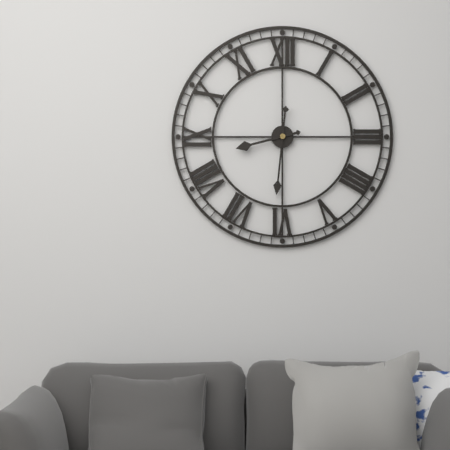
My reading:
8:31
